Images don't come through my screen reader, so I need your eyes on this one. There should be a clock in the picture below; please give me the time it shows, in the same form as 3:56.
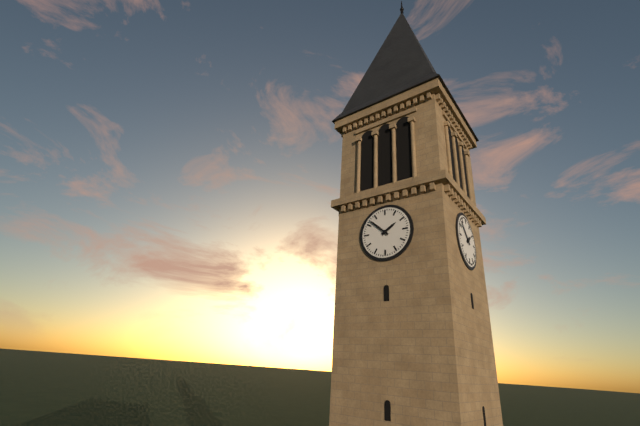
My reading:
1:52
